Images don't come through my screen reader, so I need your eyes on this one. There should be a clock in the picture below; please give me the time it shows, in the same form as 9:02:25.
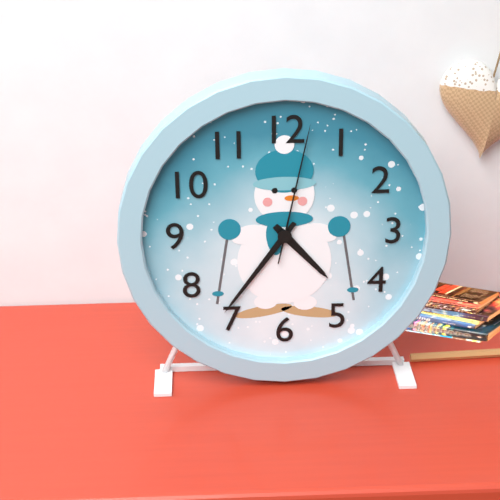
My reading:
4:36:02
